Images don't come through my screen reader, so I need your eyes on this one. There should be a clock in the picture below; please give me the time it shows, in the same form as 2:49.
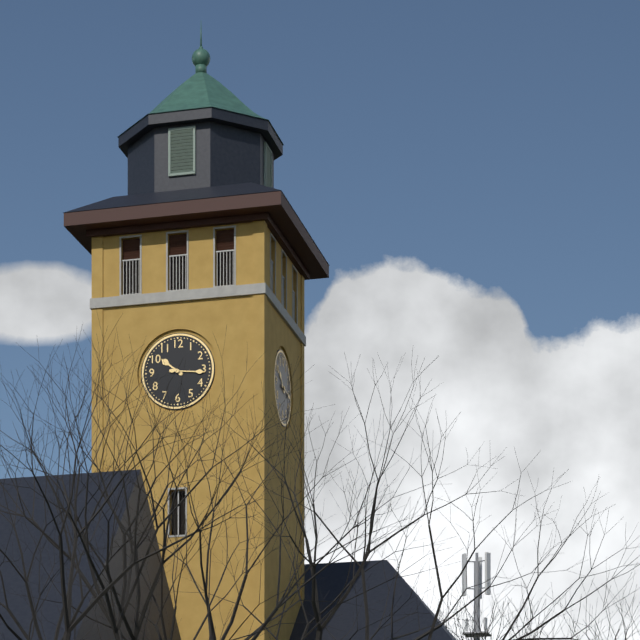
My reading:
10:16
